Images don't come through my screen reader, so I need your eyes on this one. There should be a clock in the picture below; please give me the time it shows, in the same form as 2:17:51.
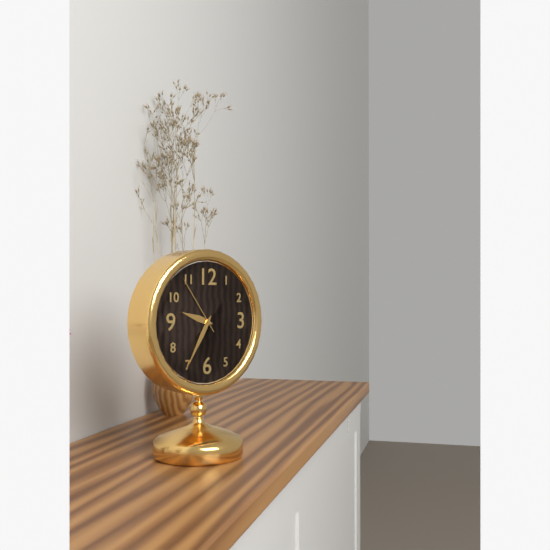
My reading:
9:35:54
